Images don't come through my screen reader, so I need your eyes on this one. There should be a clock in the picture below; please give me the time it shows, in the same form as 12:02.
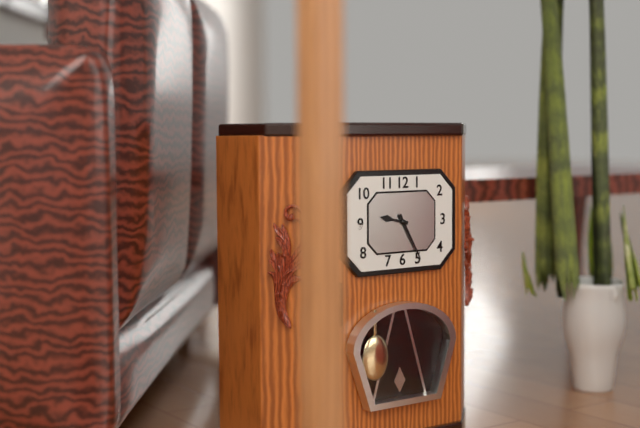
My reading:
9:25
